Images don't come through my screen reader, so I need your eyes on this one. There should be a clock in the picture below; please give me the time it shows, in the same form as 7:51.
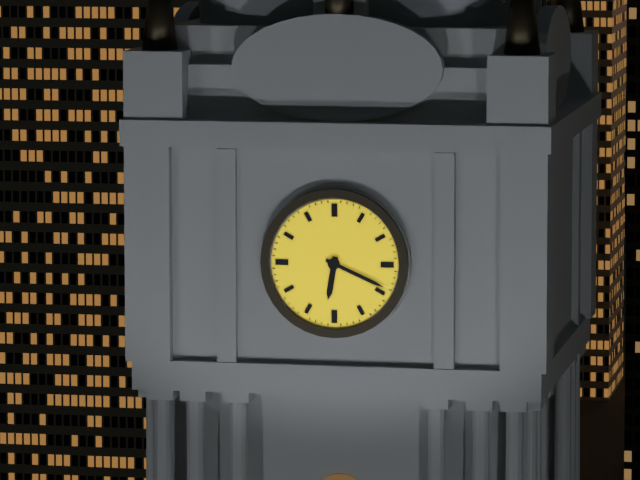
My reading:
6:19
